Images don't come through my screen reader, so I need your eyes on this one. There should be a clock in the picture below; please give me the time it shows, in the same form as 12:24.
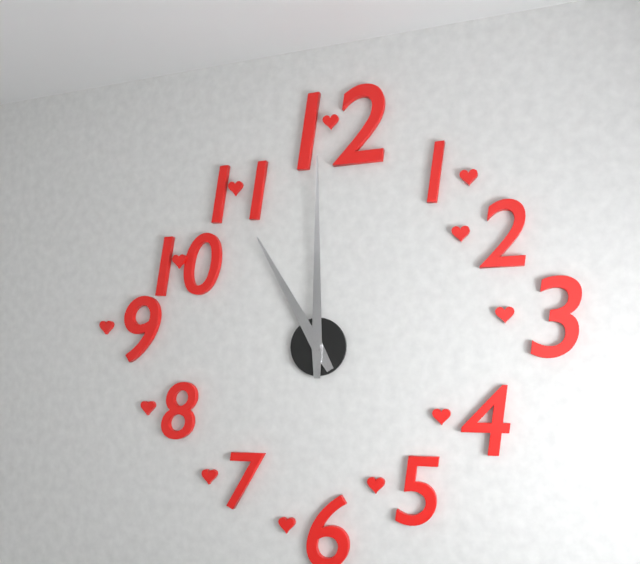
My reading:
11:00
